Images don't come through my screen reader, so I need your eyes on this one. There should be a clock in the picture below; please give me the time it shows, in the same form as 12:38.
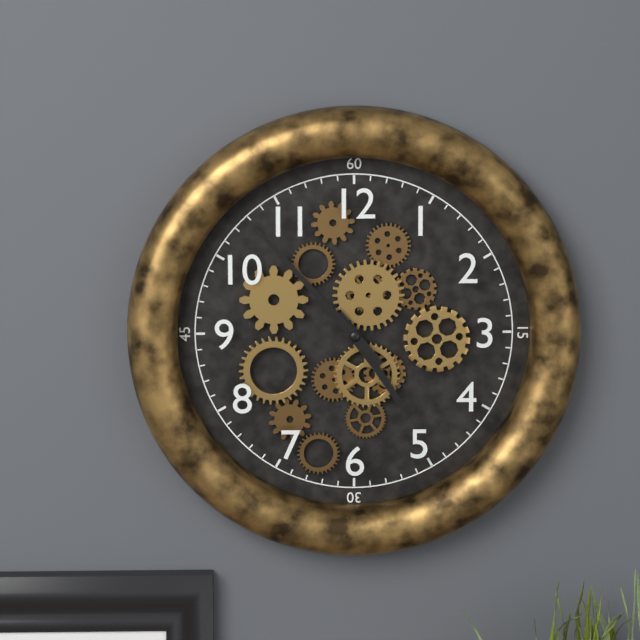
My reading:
4:53
